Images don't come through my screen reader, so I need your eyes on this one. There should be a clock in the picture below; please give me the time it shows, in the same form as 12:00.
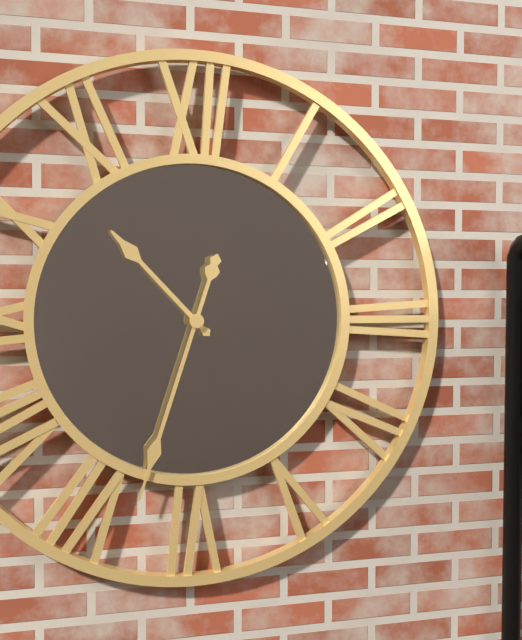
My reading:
10:33
